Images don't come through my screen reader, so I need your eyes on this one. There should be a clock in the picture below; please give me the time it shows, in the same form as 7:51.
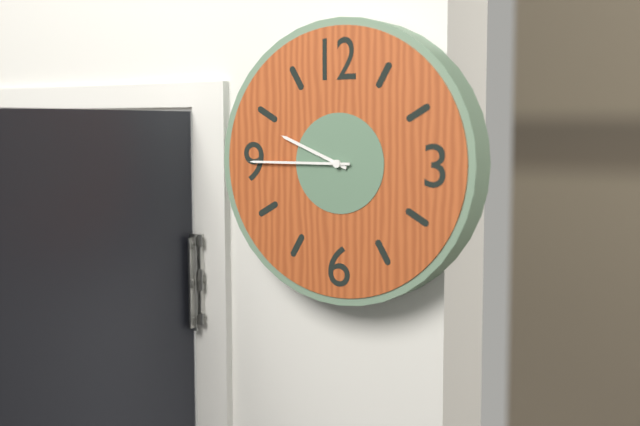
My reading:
9:45
